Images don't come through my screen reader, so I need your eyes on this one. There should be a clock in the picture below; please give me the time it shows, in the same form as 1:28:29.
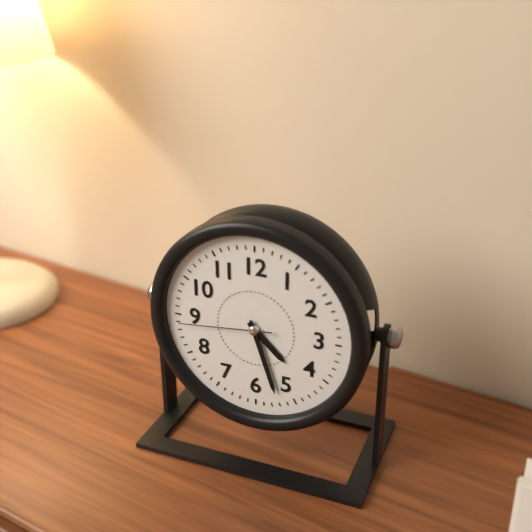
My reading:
4:27:44
